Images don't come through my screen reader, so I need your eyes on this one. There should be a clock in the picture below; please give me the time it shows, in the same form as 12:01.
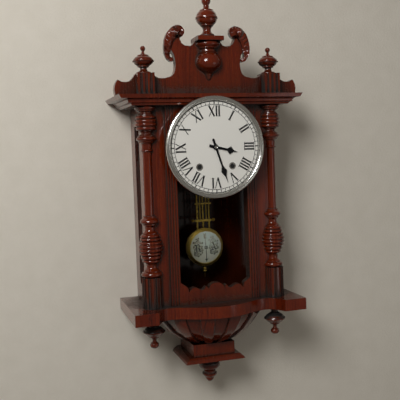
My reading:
3:27
